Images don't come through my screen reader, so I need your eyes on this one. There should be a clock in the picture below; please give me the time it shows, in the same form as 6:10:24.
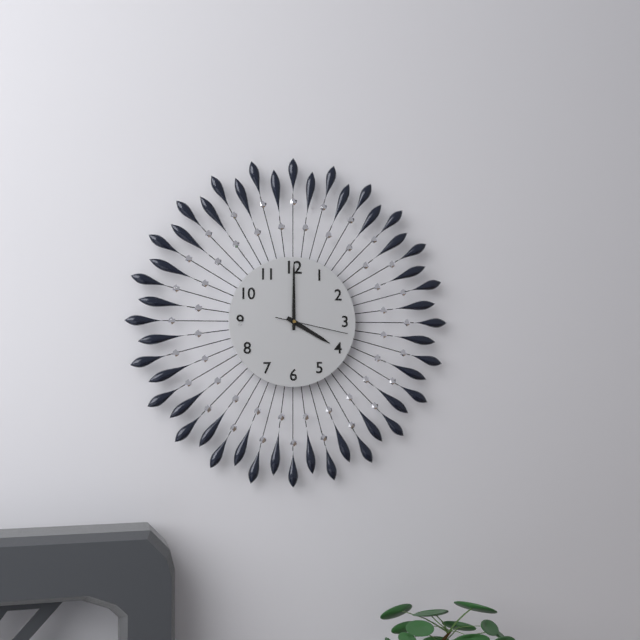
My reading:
4:00:17
